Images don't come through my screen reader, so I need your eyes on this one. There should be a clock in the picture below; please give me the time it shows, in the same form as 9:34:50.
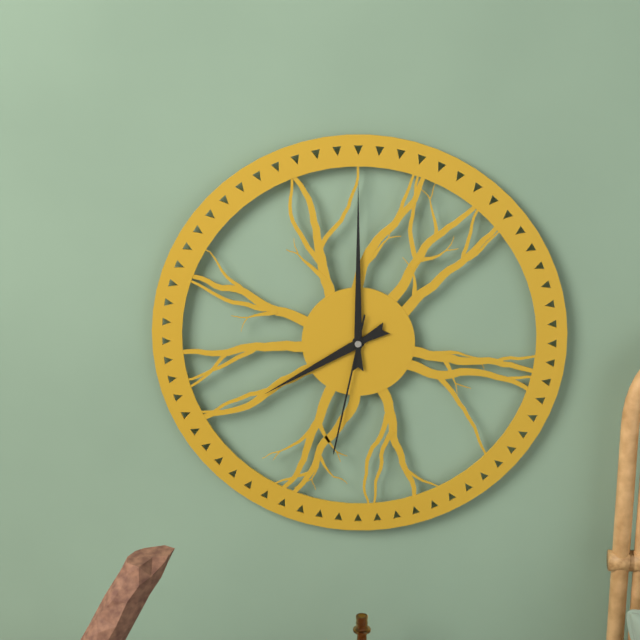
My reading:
8:00:32
